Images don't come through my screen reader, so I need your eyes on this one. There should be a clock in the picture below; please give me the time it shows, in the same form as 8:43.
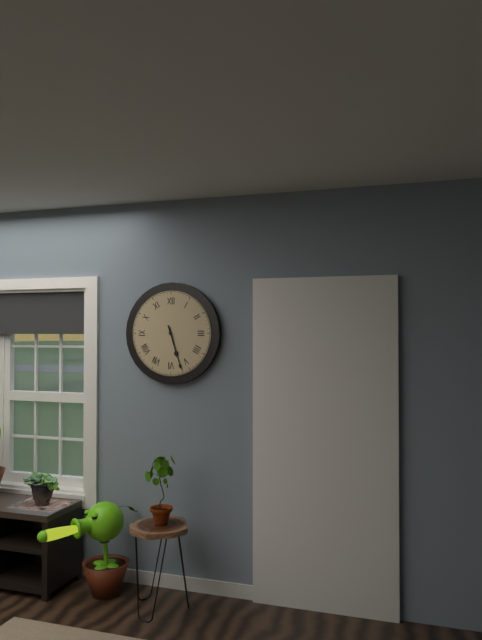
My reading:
5:27
